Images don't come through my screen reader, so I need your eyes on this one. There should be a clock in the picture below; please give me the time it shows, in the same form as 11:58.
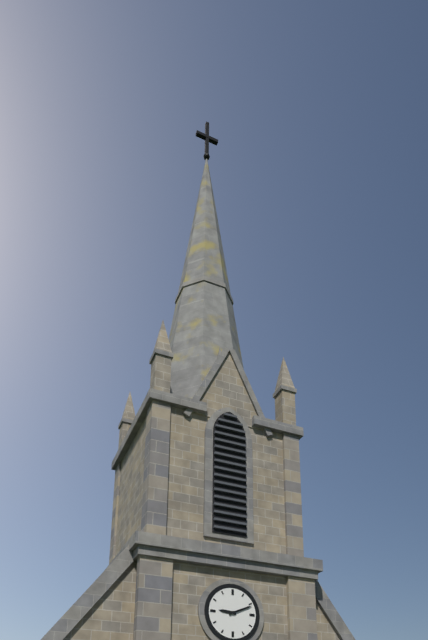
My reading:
9:11
